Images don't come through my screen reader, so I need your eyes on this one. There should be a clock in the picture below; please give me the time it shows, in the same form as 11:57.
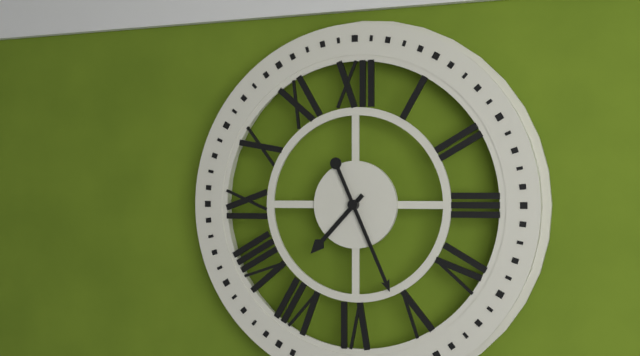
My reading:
7:26
